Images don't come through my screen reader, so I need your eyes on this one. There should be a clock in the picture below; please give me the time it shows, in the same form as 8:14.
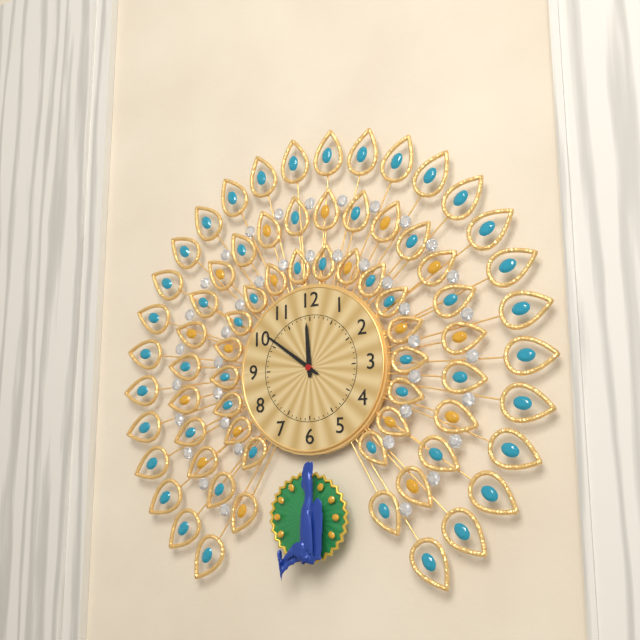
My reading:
11:51
